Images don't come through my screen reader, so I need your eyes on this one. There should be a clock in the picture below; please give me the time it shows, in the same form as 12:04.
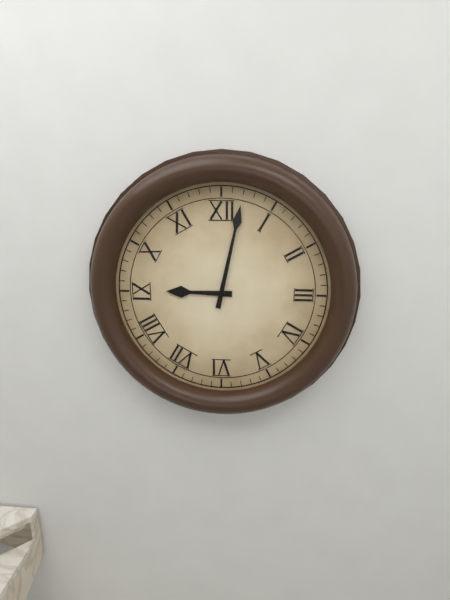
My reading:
9:02
